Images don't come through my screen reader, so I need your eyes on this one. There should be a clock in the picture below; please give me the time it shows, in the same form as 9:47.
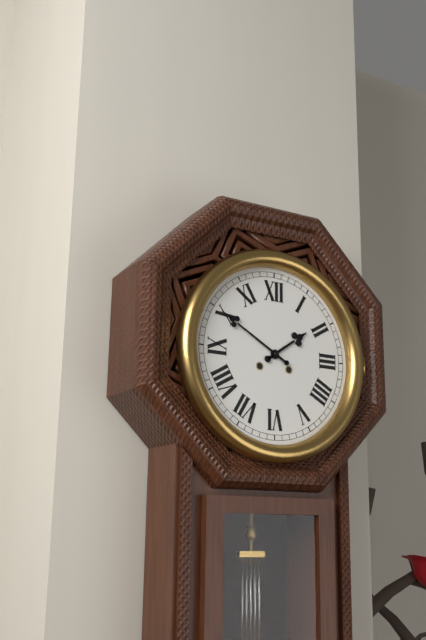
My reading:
1:50
